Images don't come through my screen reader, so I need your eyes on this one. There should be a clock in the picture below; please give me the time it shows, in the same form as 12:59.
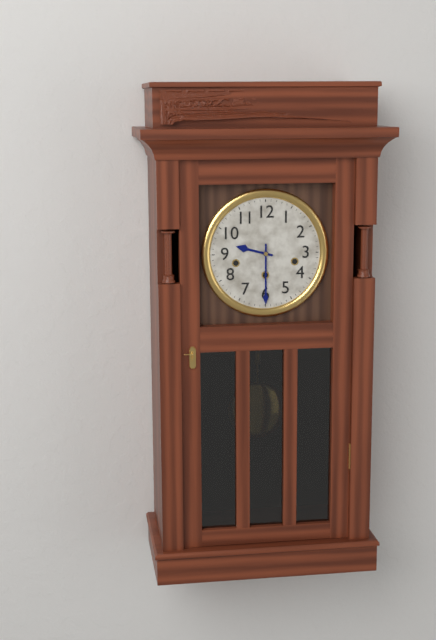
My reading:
9:30
